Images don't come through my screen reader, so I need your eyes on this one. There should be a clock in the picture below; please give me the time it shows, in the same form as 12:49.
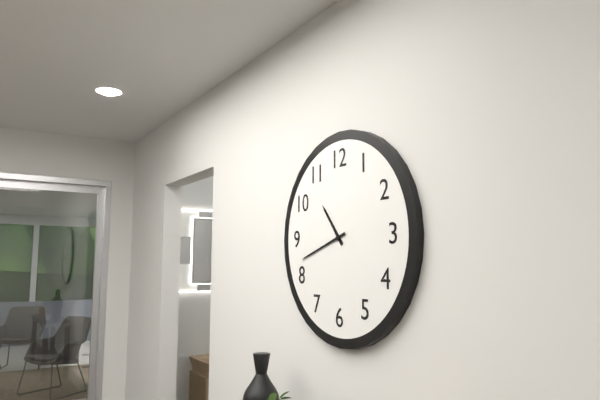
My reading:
10:42
